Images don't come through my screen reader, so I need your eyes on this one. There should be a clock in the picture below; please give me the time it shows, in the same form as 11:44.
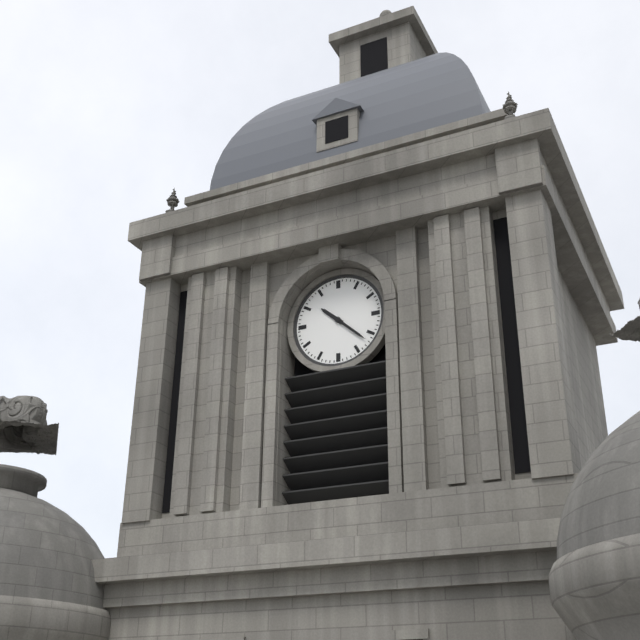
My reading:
10:22
